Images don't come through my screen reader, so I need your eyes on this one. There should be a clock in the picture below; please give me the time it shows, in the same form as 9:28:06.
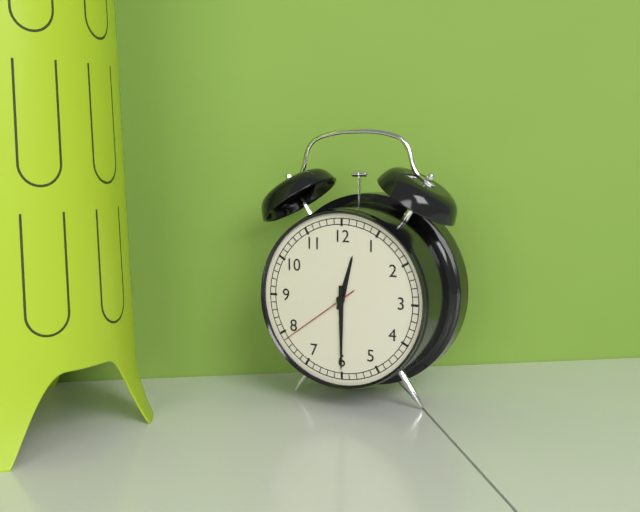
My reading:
12:30:39
